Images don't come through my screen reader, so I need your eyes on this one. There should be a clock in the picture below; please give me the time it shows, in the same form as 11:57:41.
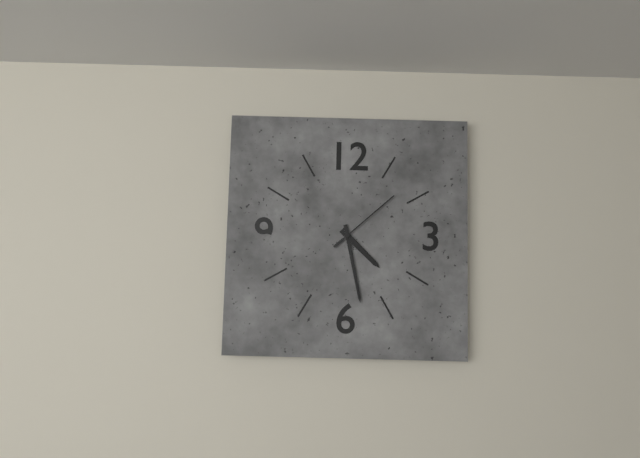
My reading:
4:28:08
